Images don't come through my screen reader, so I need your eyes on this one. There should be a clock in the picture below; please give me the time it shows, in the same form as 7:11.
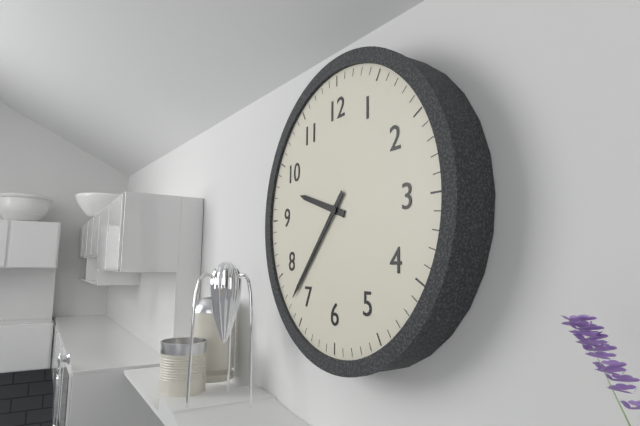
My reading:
9:37
